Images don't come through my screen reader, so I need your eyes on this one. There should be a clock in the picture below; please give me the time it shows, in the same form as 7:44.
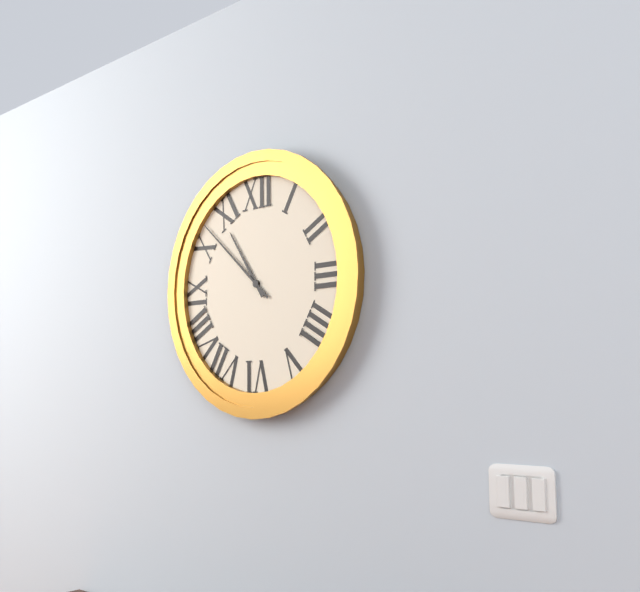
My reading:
10:52
